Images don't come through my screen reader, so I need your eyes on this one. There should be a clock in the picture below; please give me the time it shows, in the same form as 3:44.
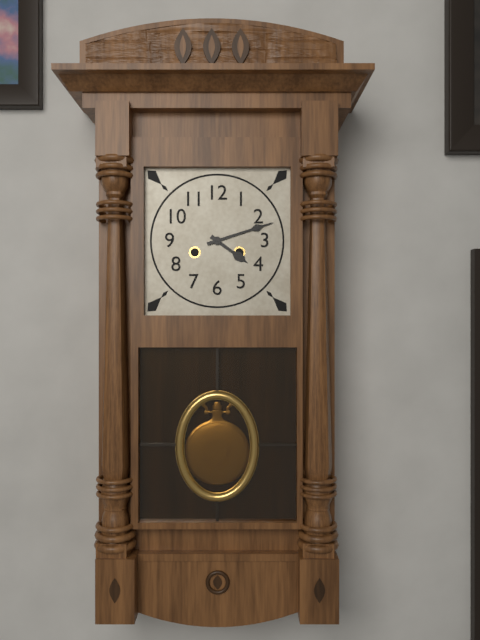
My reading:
4:12
